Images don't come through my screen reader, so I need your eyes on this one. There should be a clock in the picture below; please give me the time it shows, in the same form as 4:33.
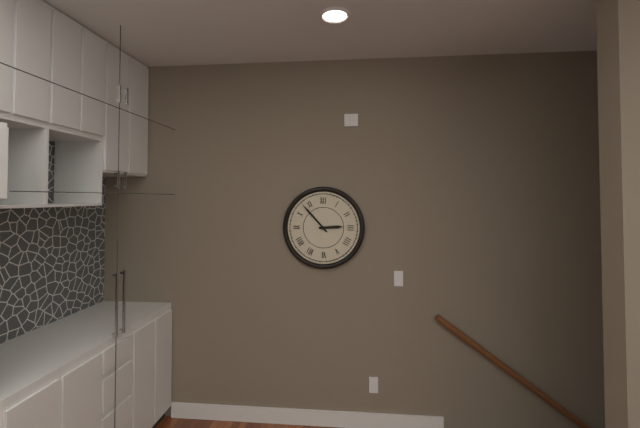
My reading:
2:53
